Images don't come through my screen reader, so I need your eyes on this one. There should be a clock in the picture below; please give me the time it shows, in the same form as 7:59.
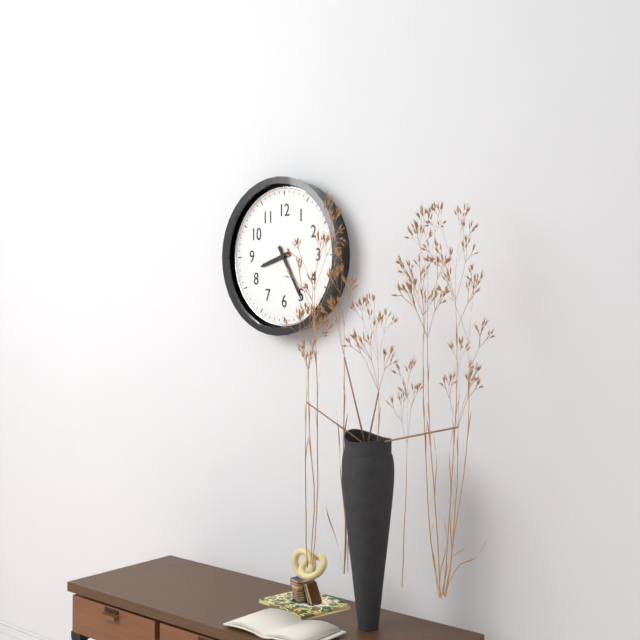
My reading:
8:25
